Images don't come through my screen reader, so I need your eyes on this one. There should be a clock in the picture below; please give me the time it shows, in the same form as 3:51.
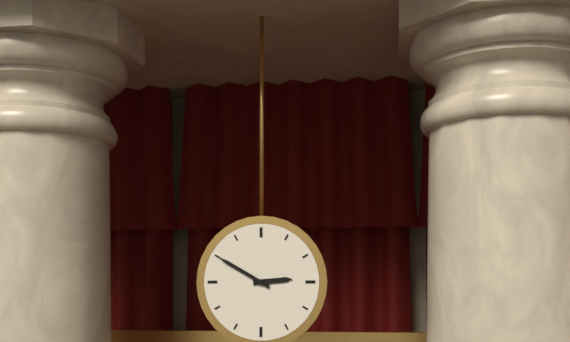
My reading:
2:50
